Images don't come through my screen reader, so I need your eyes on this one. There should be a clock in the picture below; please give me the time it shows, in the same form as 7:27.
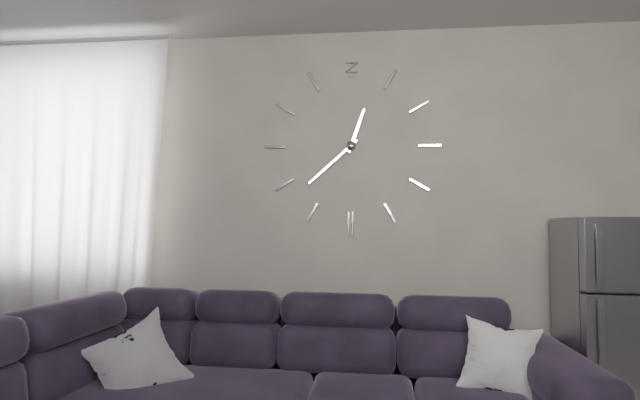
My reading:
12:38
